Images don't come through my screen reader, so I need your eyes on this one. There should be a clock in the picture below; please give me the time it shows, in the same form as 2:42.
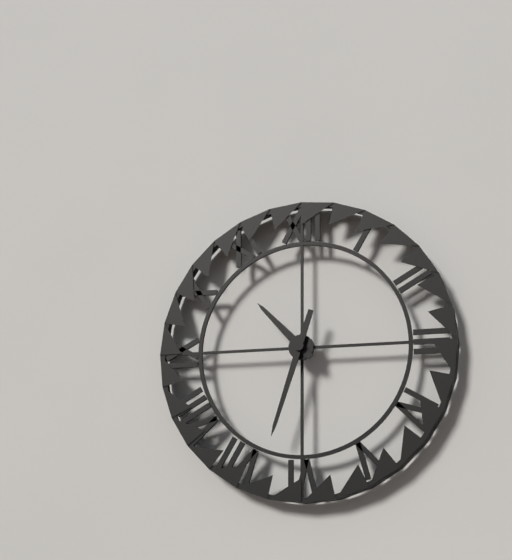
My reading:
10:33
